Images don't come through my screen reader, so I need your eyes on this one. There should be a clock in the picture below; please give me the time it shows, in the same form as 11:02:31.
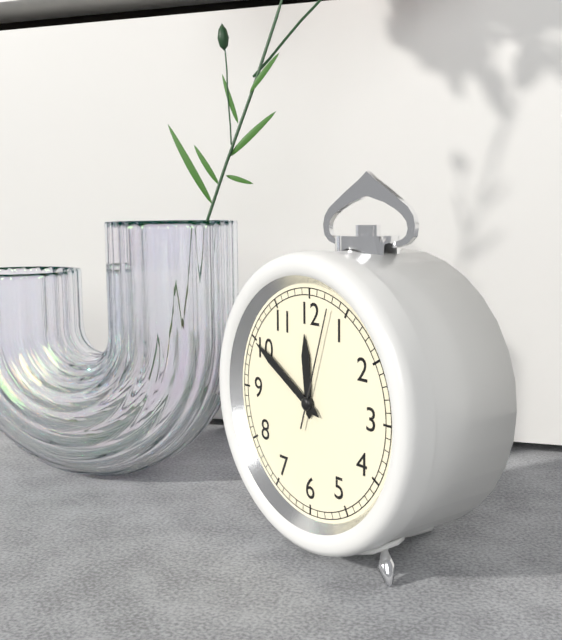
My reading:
11:50:03
